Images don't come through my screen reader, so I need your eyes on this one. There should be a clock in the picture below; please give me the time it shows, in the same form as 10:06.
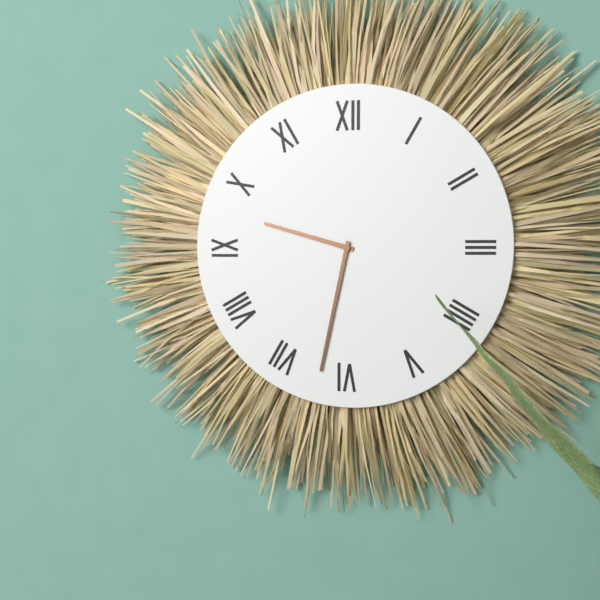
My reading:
9:32
